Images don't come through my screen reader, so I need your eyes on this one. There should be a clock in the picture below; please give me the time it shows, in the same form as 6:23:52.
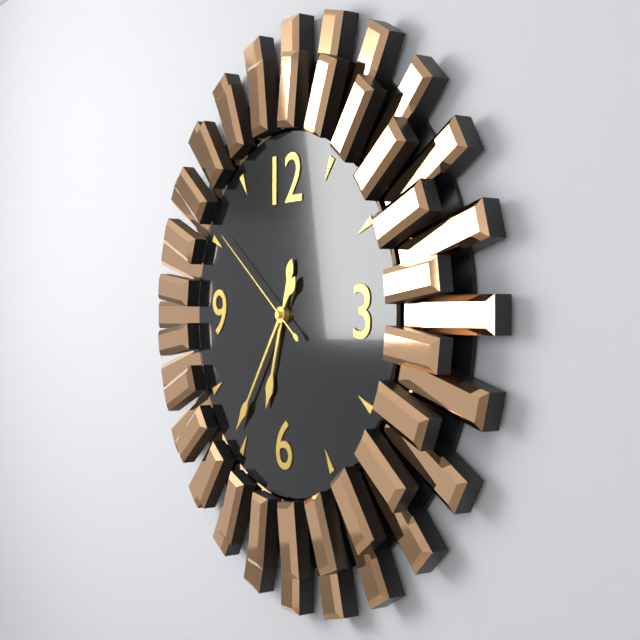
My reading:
6:36:51
